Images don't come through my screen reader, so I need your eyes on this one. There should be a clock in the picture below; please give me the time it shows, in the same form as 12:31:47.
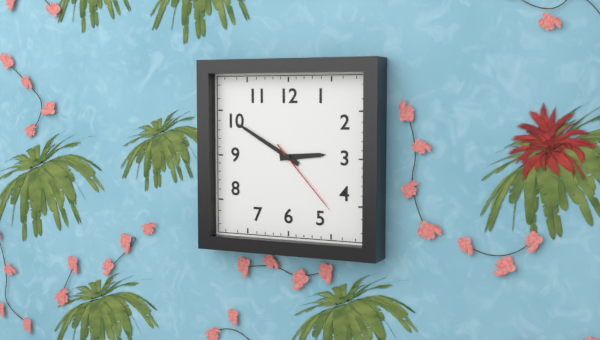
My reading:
2:50:23
